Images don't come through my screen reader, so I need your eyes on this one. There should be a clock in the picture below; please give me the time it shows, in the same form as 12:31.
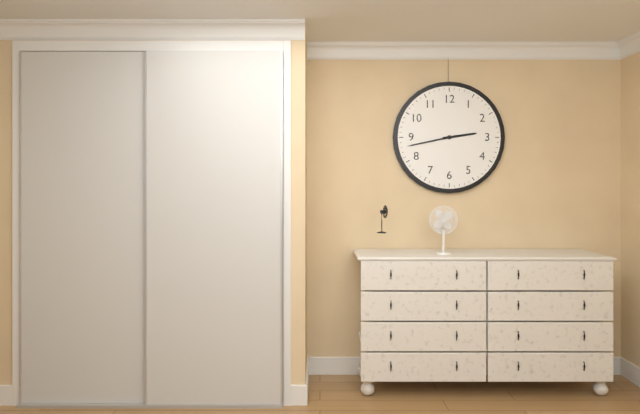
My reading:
2:43
